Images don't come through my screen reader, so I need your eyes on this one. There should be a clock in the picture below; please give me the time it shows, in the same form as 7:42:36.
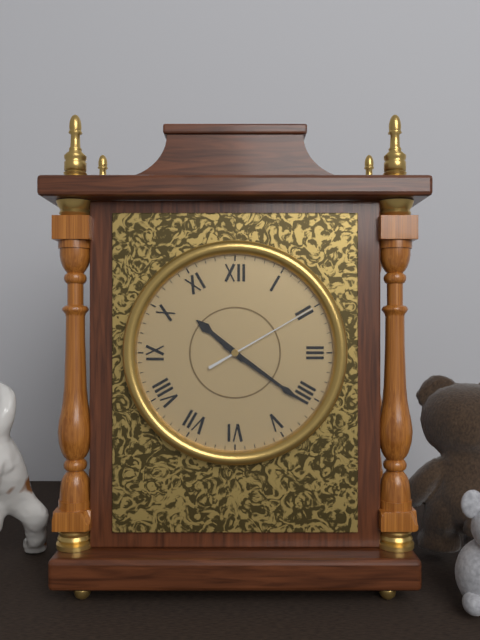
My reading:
10:21:10
